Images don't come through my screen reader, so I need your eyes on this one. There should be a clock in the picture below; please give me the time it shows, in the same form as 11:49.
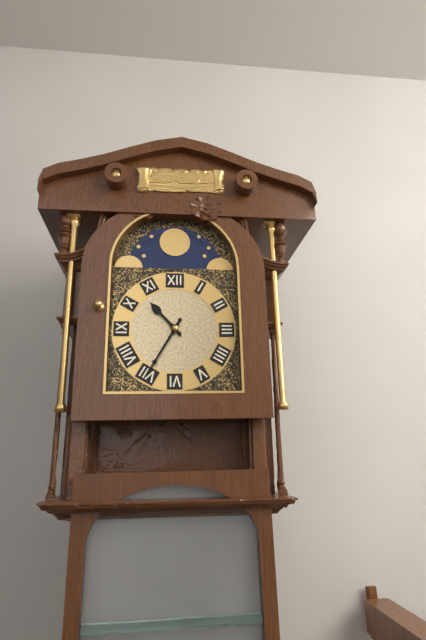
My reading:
10:35
